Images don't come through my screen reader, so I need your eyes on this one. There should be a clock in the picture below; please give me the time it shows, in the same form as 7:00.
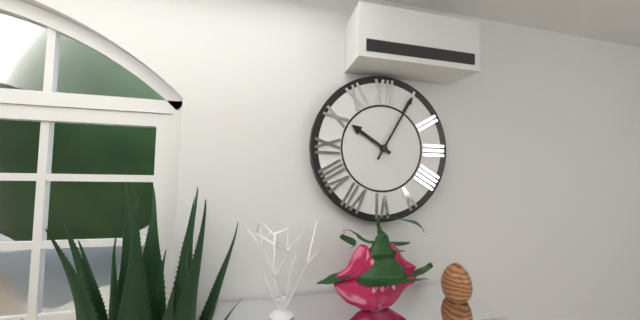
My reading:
10:05
